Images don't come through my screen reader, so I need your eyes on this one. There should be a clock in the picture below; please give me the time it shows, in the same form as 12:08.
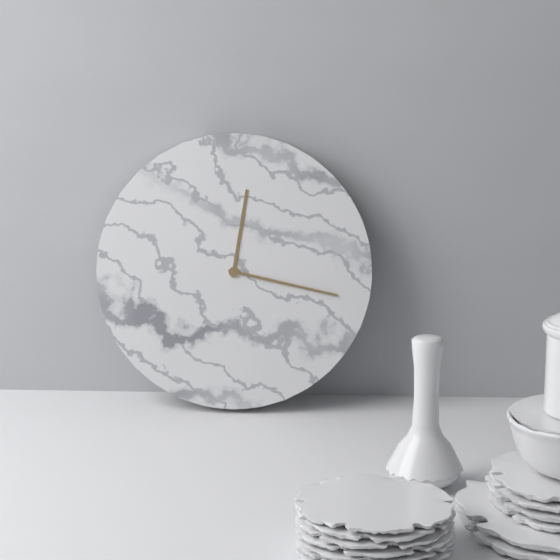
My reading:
12:17
